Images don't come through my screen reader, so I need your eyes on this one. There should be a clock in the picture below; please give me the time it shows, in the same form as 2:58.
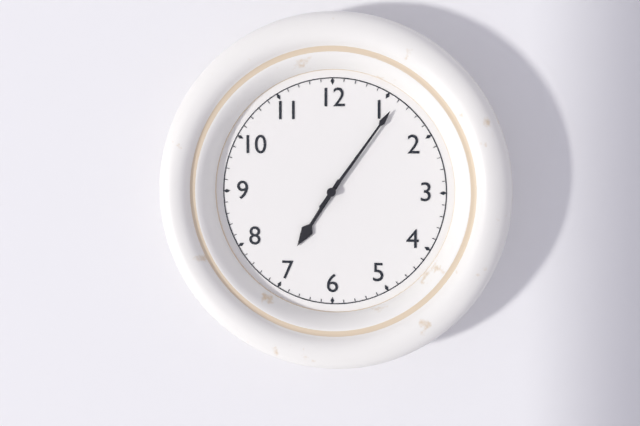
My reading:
7:06
